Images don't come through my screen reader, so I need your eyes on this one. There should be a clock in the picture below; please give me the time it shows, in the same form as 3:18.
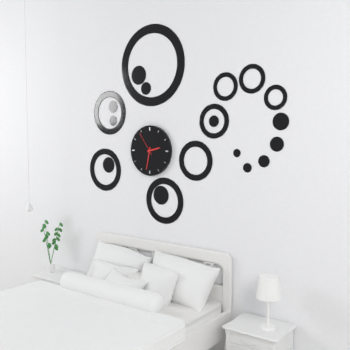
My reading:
2:32
